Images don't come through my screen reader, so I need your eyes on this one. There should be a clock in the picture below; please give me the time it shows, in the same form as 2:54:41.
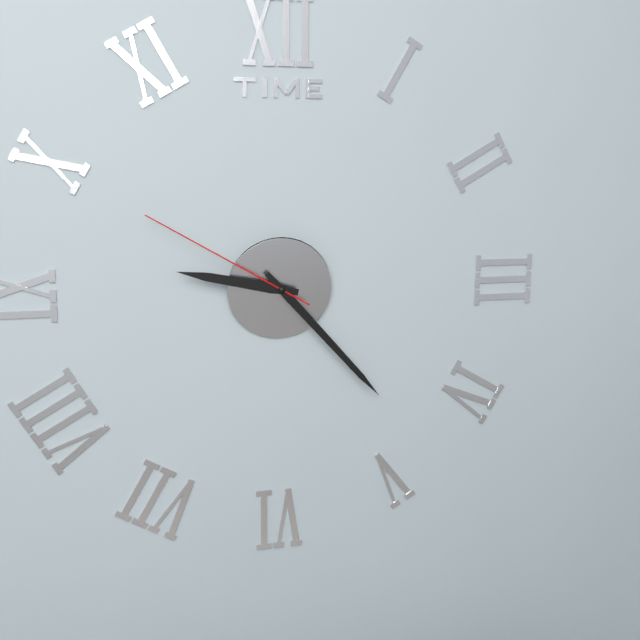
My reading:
9:23:50
